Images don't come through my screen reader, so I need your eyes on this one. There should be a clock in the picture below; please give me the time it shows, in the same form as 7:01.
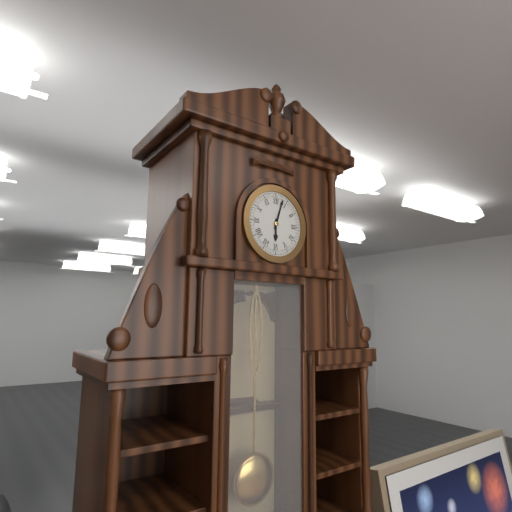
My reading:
6:03
